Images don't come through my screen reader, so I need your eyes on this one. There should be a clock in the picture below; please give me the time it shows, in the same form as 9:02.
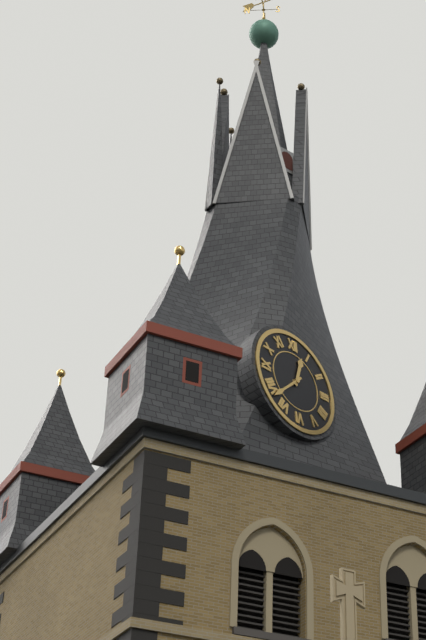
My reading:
12:38
